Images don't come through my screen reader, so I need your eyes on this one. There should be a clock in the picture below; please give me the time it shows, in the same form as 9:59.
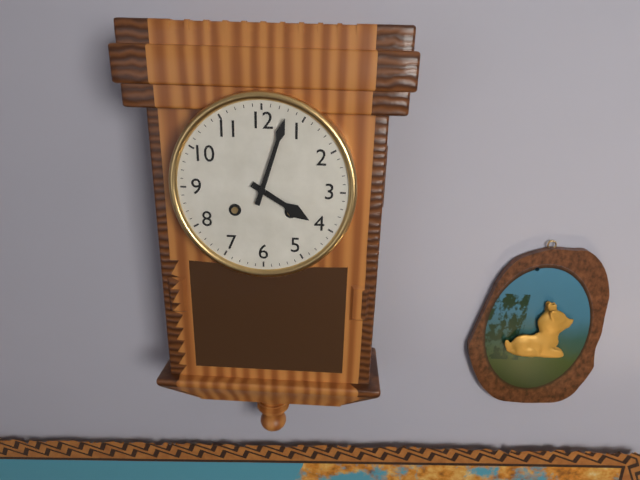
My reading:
4:03
